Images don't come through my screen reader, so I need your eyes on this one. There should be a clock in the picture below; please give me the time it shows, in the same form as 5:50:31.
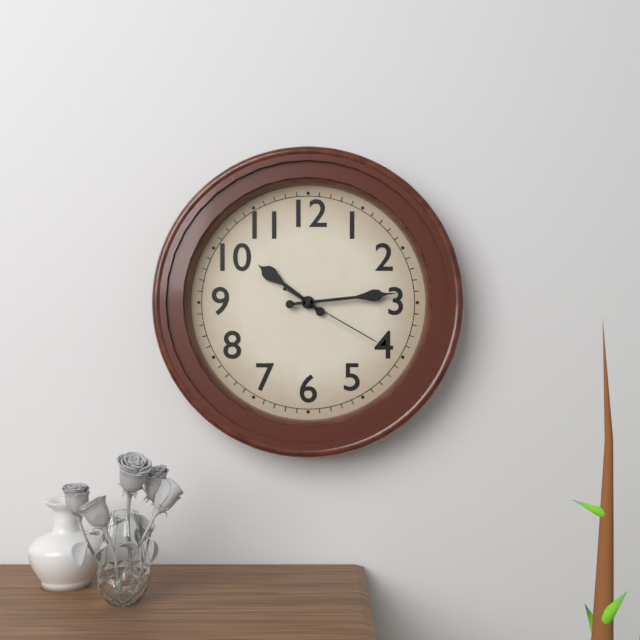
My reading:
10:14:20
